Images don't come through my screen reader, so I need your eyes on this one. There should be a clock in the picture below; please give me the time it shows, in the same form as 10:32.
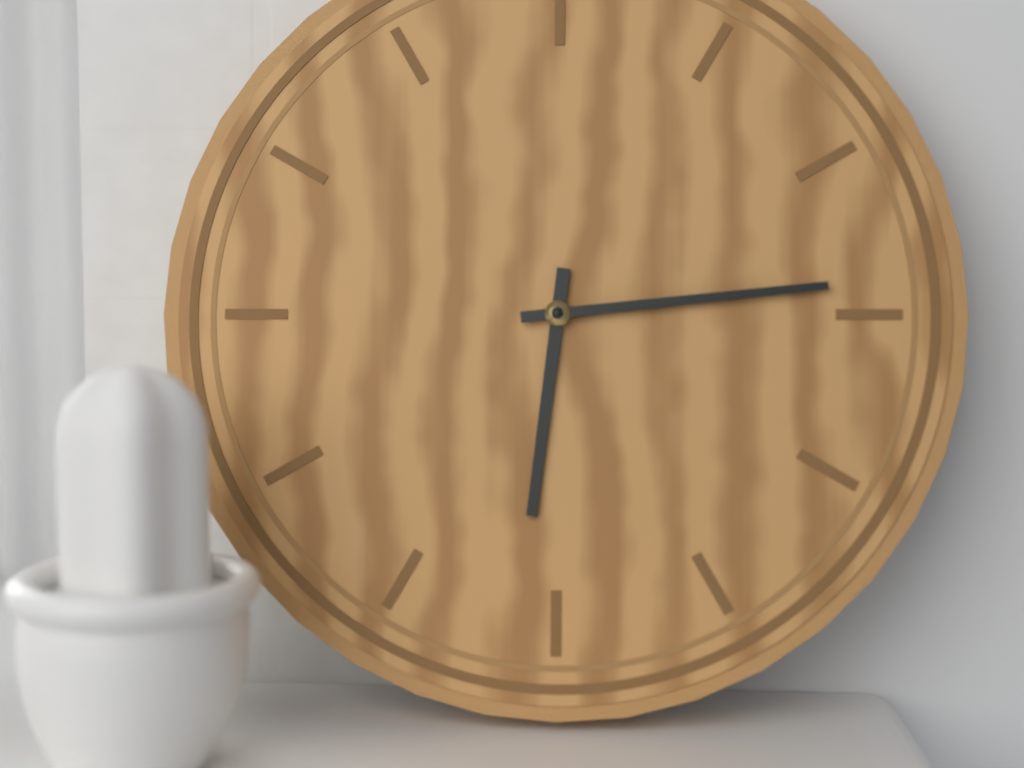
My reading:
6:14
